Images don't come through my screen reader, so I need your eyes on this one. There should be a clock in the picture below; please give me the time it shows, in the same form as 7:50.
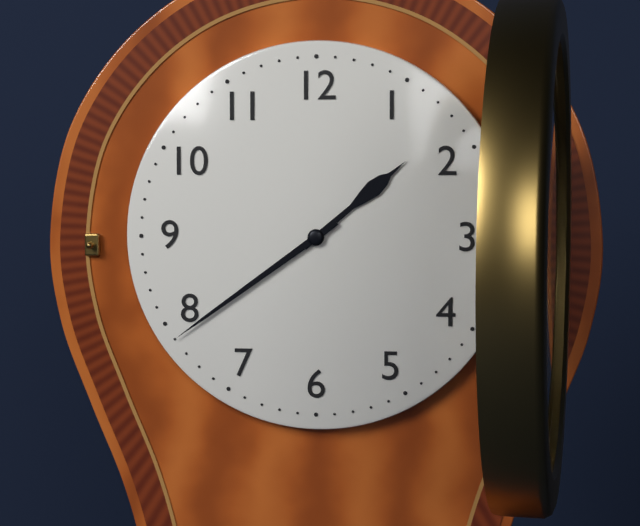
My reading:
1:39
